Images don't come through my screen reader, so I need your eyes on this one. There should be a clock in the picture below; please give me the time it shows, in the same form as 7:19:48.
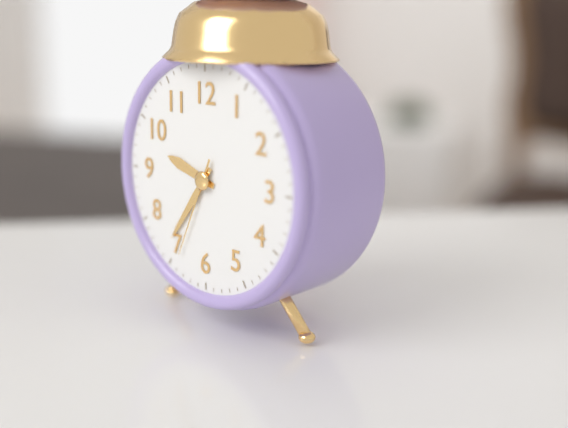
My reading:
9:36:34
